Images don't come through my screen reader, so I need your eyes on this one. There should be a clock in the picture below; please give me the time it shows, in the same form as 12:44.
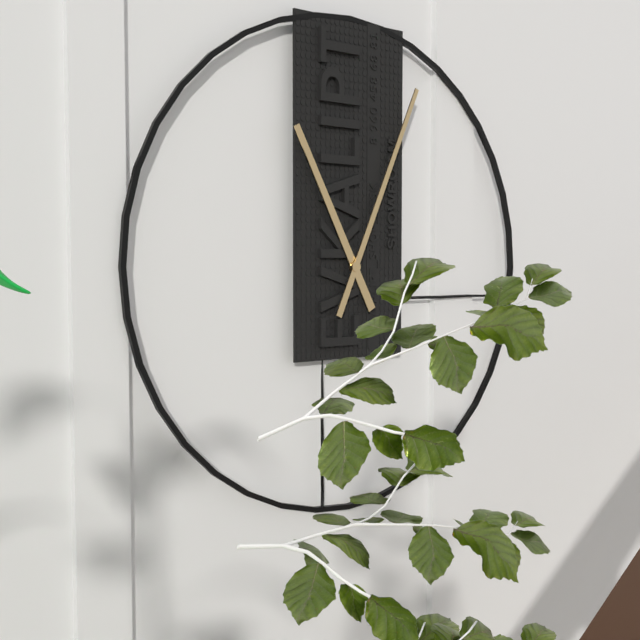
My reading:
11:04
